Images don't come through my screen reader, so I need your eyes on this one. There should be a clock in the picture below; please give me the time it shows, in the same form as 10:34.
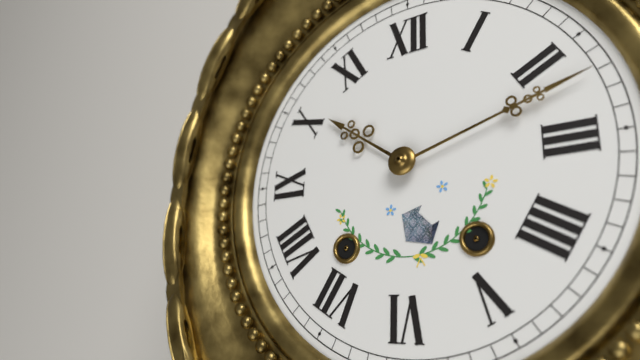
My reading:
10:12
